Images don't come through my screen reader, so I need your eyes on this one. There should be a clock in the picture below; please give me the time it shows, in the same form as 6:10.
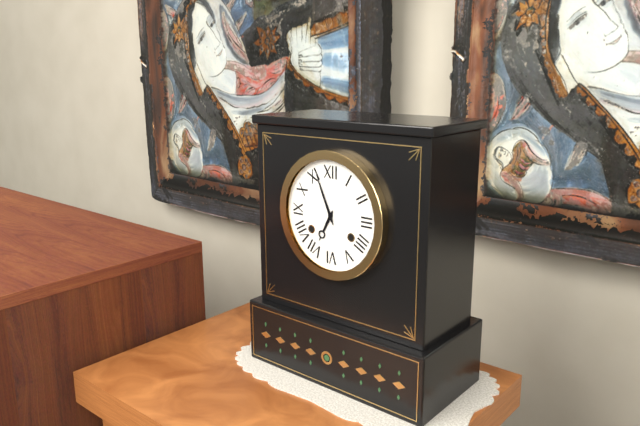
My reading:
6:56
